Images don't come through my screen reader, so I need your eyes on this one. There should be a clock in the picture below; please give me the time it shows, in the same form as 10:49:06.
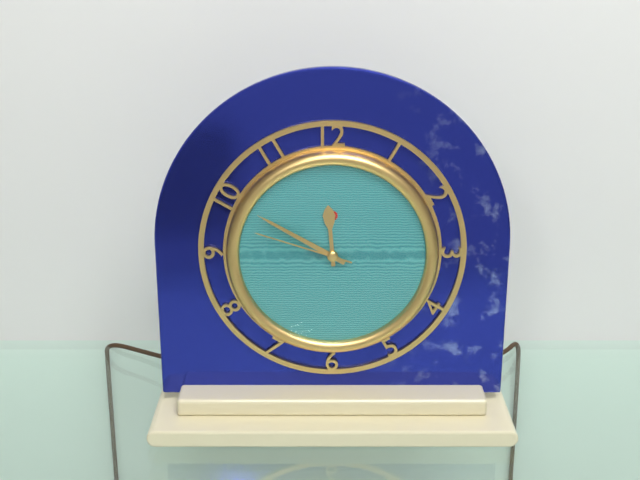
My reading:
11:50:48
